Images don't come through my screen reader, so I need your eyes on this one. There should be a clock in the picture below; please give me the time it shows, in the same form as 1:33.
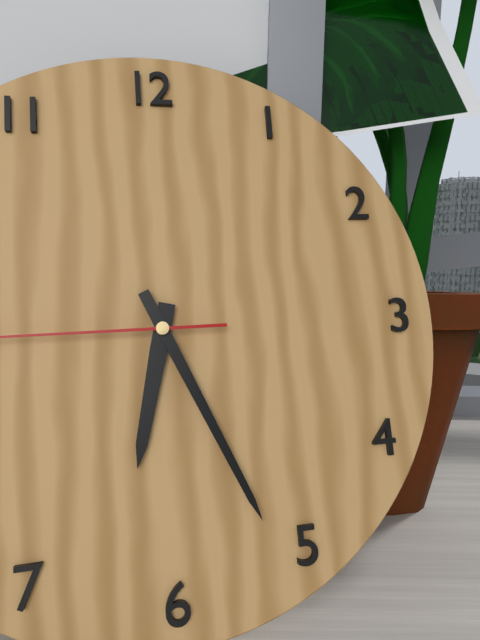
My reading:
6:26
